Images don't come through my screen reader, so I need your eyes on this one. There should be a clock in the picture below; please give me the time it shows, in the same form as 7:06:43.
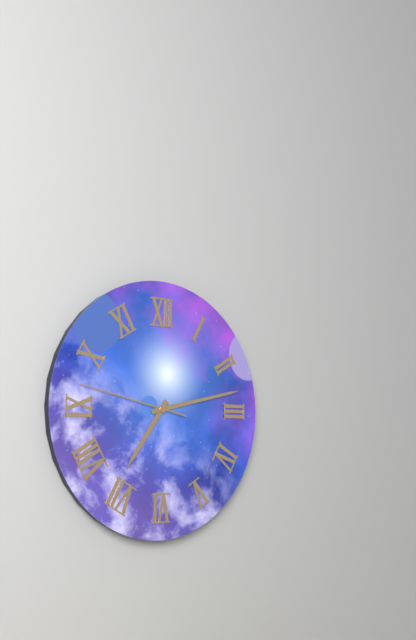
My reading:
7:13:47
